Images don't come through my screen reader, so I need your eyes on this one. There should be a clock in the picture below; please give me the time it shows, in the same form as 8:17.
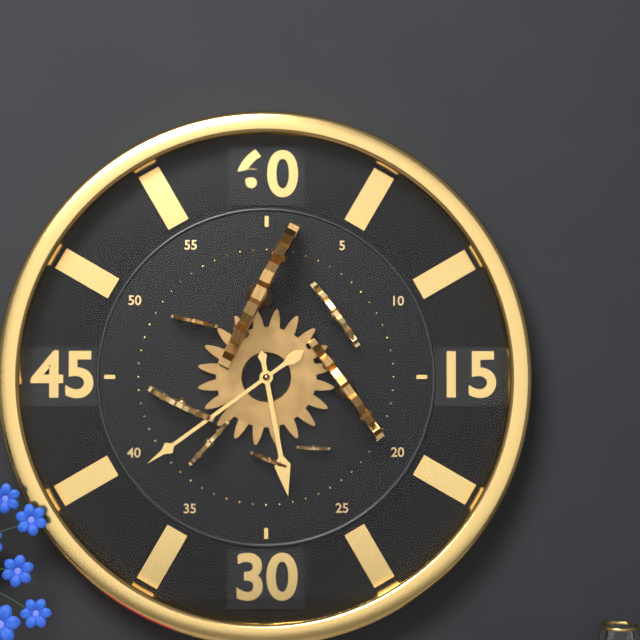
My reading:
5:39
